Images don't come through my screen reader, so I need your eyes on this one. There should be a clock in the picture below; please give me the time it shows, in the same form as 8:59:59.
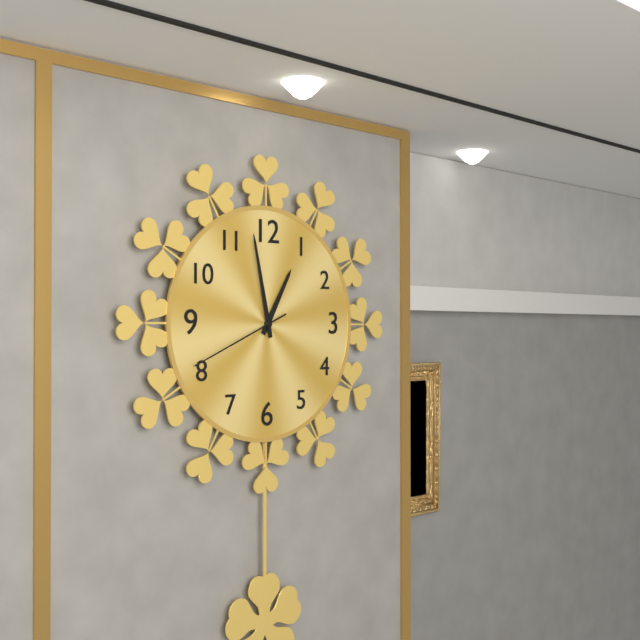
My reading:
12:58:41
